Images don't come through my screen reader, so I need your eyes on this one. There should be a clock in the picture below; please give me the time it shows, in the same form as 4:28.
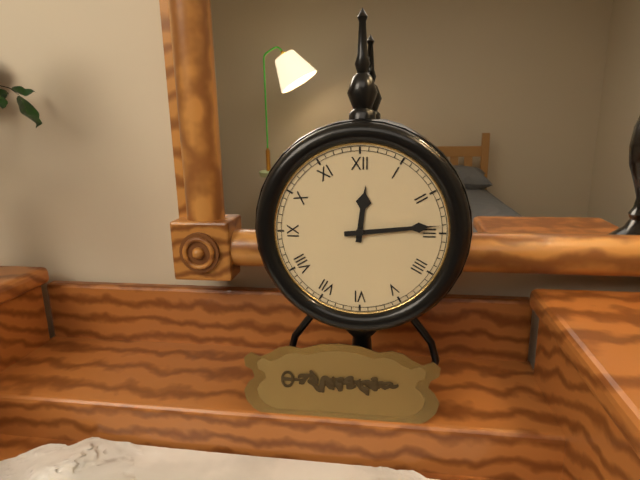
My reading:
12:14
